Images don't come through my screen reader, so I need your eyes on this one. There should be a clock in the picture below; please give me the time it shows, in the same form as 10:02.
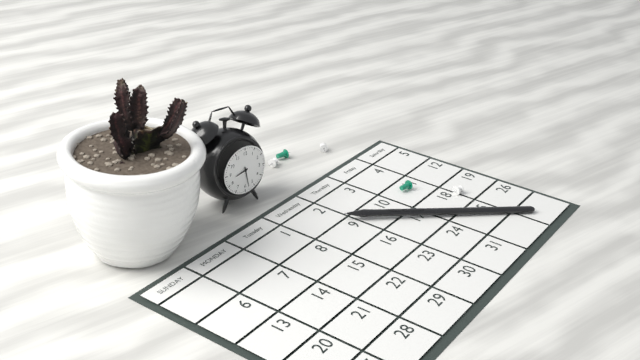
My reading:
8:28
